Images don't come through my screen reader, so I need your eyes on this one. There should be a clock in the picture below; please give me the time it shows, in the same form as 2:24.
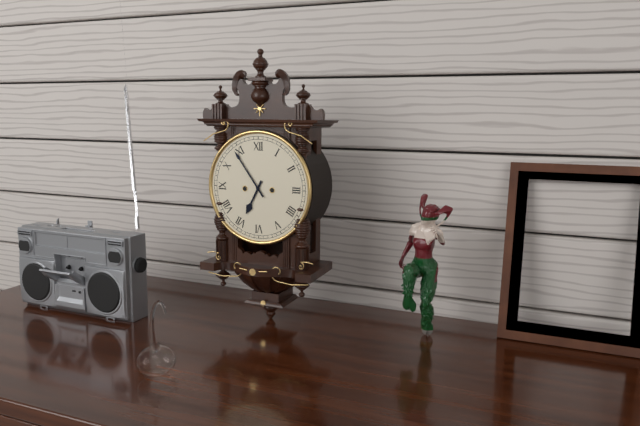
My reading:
6:54
